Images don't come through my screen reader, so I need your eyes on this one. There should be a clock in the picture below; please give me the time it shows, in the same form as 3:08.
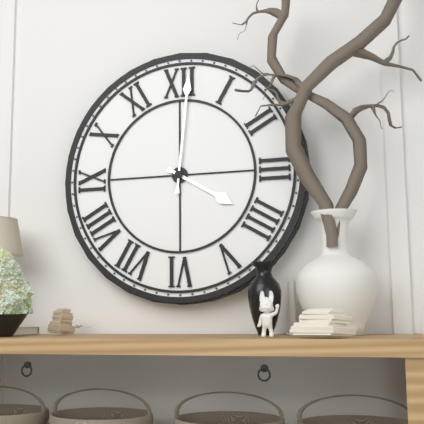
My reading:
4:01
